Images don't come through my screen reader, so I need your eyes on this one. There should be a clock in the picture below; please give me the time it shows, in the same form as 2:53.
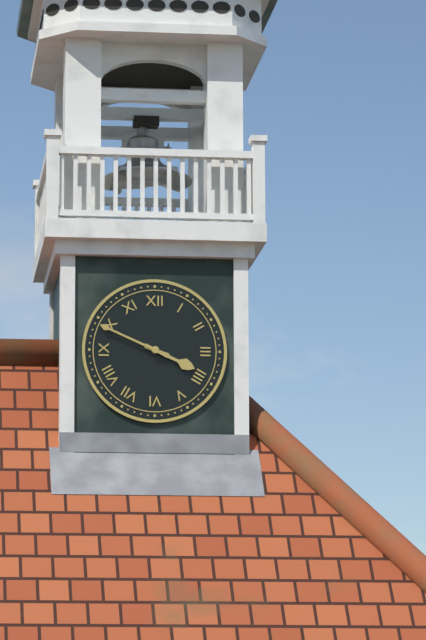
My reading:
3:49
